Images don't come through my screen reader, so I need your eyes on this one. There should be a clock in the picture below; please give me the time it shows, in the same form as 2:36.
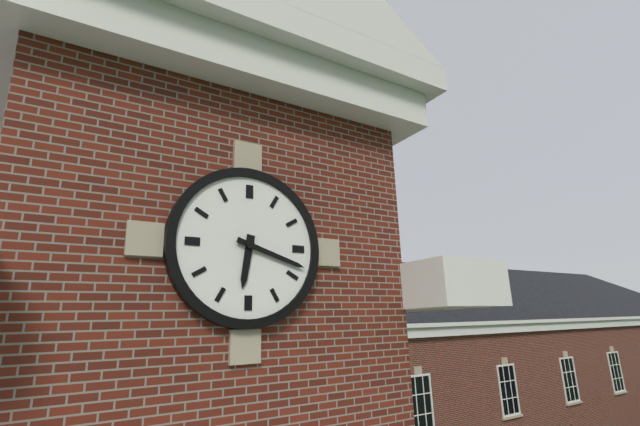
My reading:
6:18
